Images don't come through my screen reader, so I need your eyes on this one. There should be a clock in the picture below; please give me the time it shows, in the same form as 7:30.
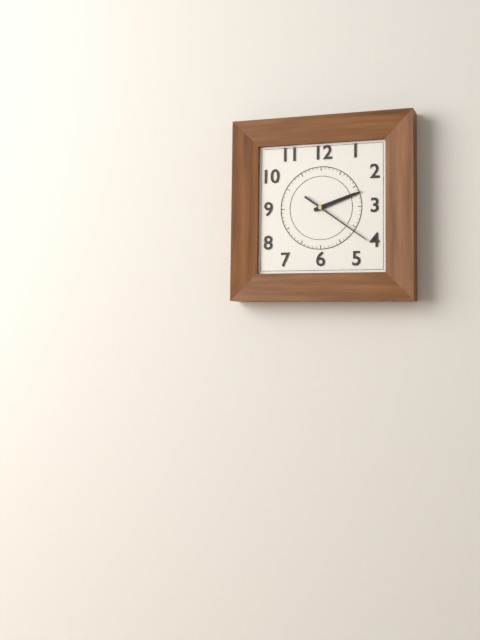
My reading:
2:21
